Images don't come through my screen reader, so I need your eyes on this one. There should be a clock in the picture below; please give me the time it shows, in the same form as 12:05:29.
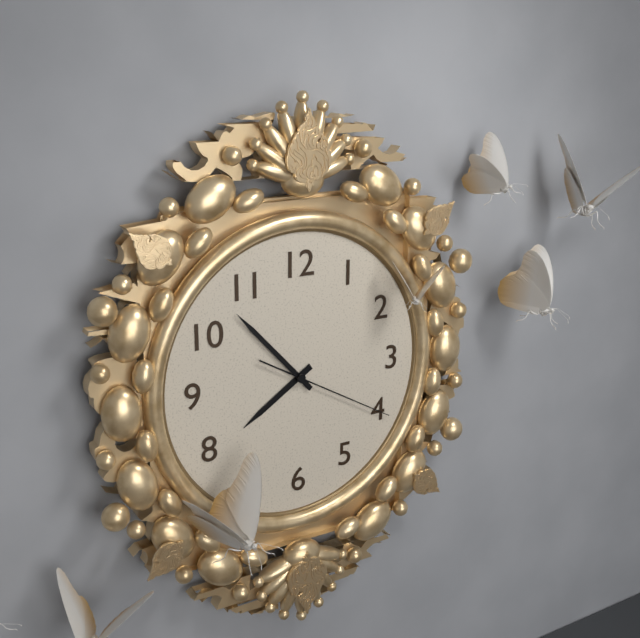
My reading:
7:53:20
